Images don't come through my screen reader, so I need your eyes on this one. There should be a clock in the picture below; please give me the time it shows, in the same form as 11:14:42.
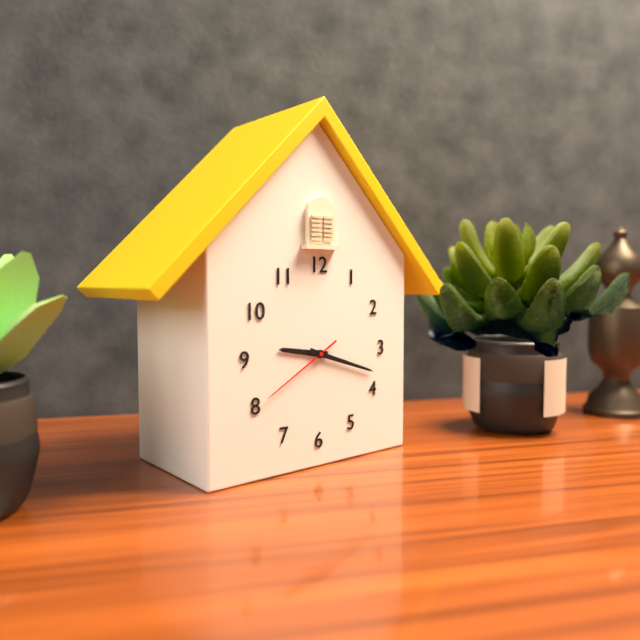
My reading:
9:18:40
